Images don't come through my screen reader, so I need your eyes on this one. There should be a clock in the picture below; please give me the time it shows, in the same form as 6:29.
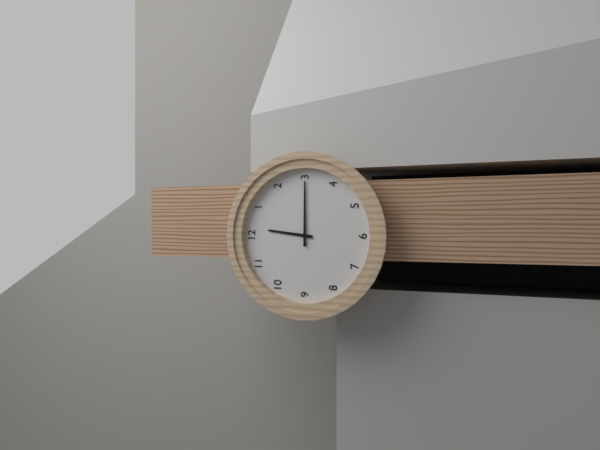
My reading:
12:15
